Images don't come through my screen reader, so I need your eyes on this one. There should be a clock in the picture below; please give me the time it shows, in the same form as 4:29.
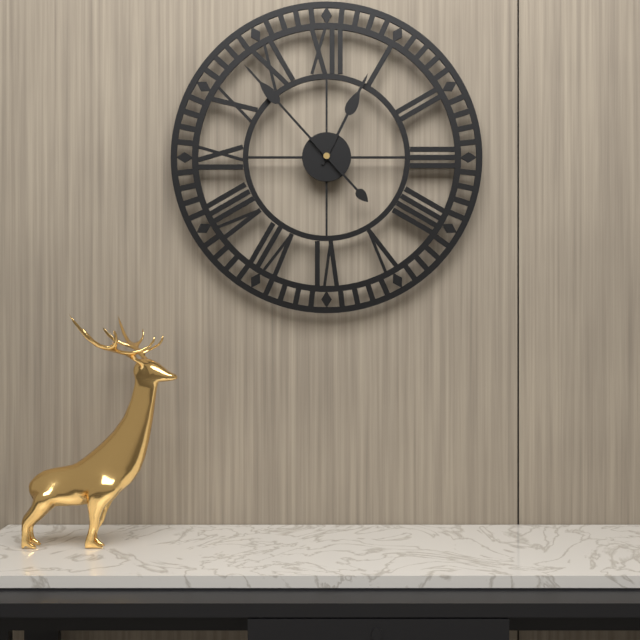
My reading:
12:53
